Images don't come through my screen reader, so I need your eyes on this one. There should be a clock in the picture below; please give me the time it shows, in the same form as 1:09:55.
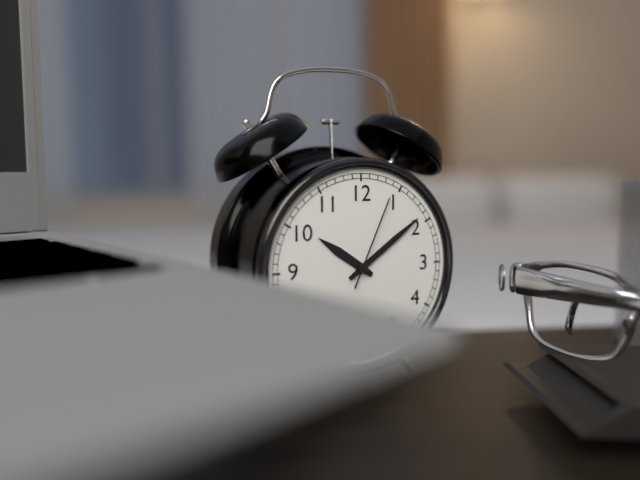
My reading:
10:09:04
